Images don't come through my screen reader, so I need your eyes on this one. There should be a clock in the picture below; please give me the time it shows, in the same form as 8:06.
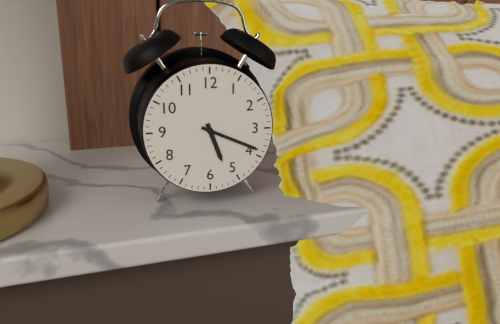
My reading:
5:19
